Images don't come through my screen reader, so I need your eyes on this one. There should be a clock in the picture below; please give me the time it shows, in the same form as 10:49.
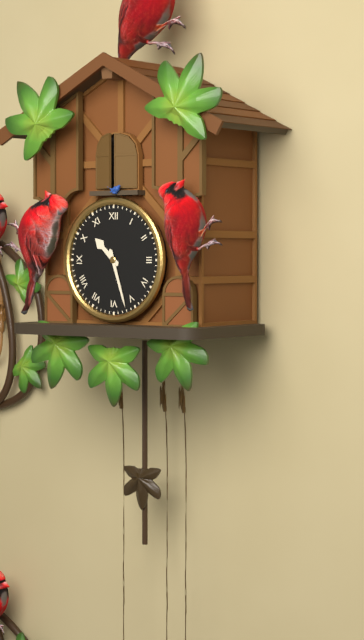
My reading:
10:27
